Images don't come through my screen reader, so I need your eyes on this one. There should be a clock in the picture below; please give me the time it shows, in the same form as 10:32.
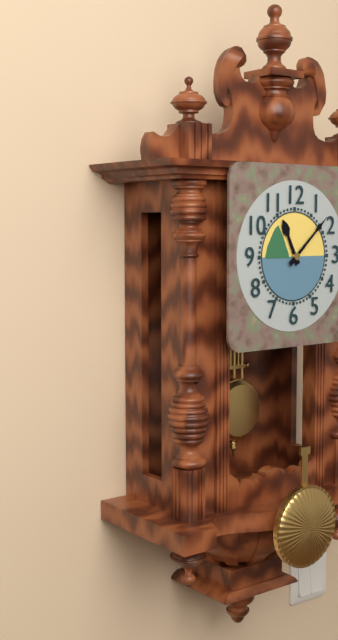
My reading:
11:08
